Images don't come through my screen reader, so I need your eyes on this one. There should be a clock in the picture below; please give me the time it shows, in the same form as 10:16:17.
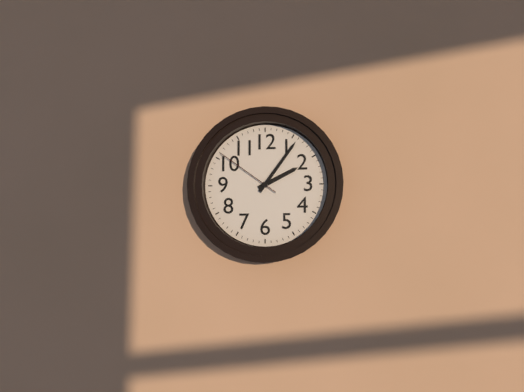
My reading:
2:06:51
